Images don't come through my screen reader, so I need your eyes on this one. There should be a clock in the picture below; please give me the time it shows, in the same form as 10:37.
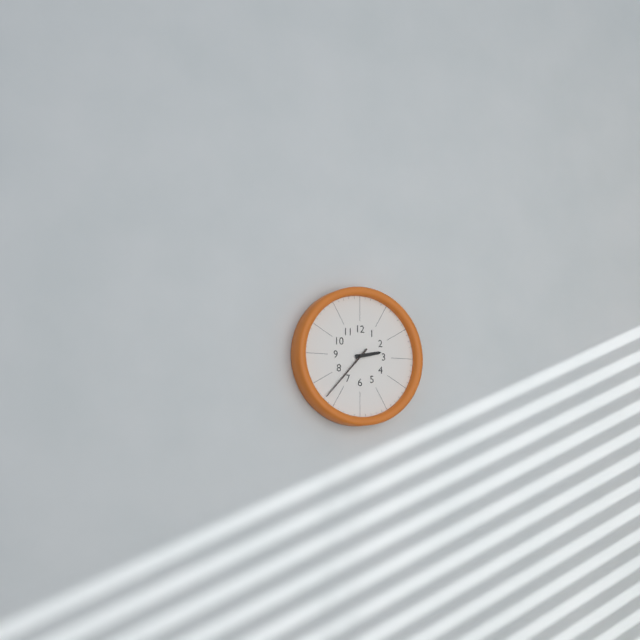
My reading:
2:37
